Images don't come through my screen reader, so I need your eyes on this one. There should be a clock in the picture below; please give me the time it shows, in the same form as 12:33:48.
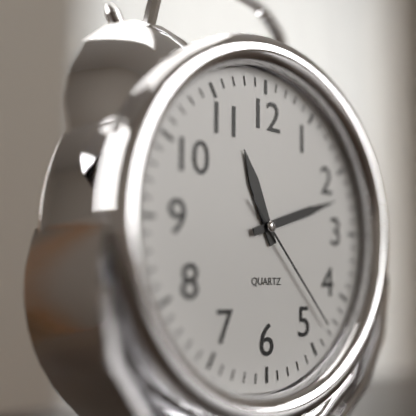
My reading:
11:12:23
